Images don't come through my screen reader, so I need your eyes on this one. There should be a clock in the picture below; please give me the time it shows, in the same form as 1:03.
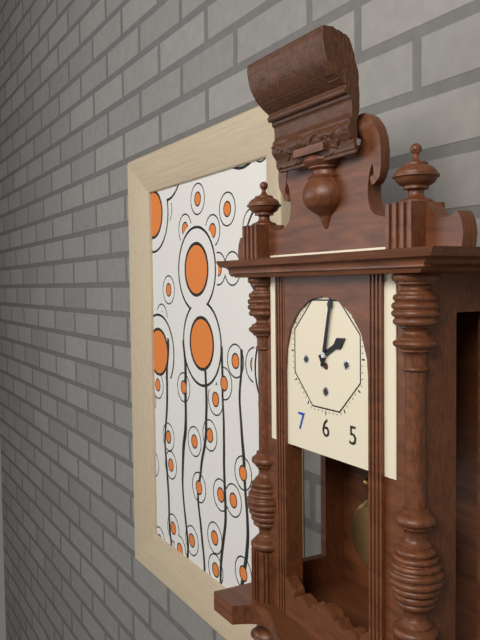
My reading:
2:02
